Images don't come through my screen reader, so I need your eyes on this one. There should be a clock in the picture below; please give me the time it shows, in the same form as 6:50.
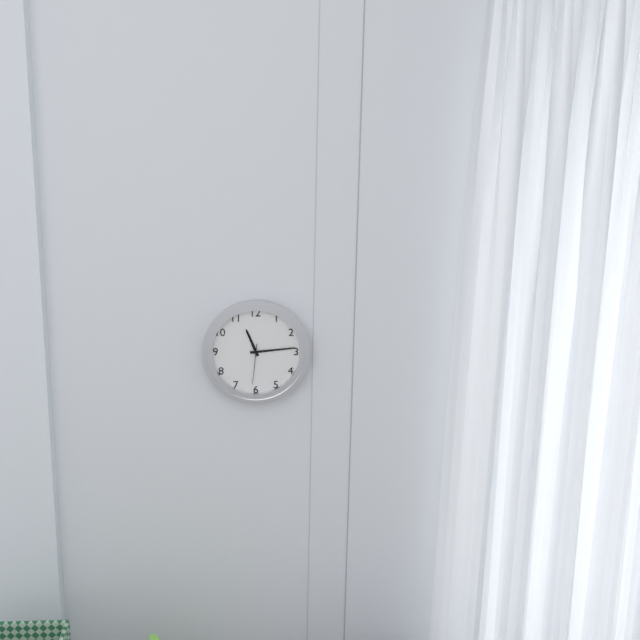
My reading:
11:14
